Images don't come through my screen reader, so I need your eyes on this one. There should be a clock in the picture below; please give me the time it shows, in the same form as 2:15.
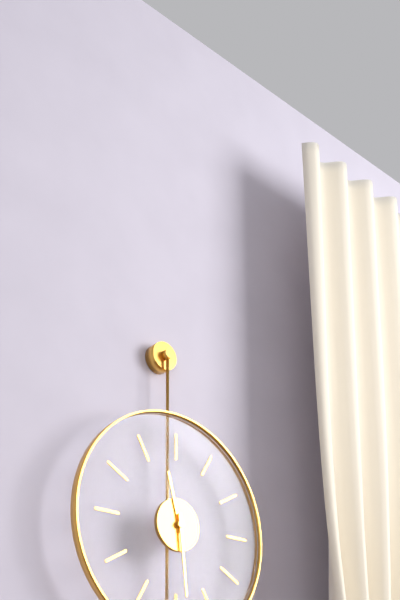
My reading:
11:29
